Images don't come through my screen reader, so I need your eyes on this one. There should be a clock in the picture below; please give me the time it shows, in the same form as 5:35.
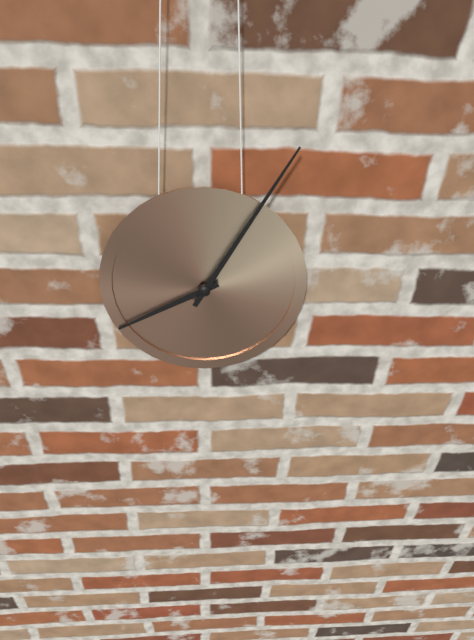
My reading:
8:05
